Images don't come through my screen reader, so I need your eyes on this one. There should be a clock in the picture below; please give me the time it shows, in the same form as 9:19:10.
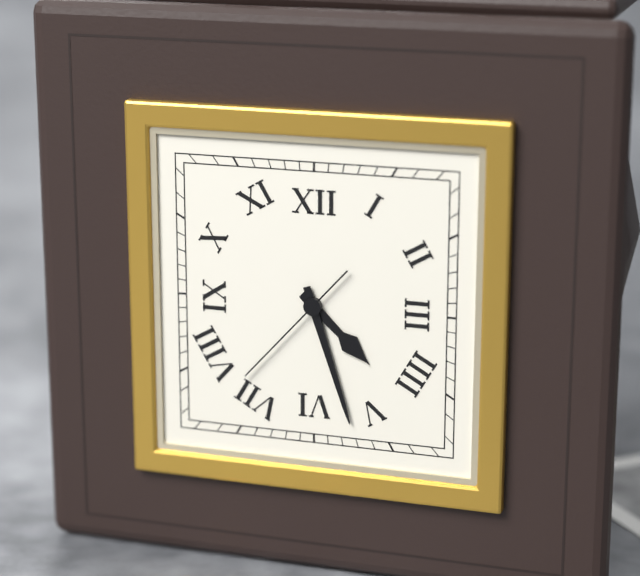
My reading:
4:27:37
